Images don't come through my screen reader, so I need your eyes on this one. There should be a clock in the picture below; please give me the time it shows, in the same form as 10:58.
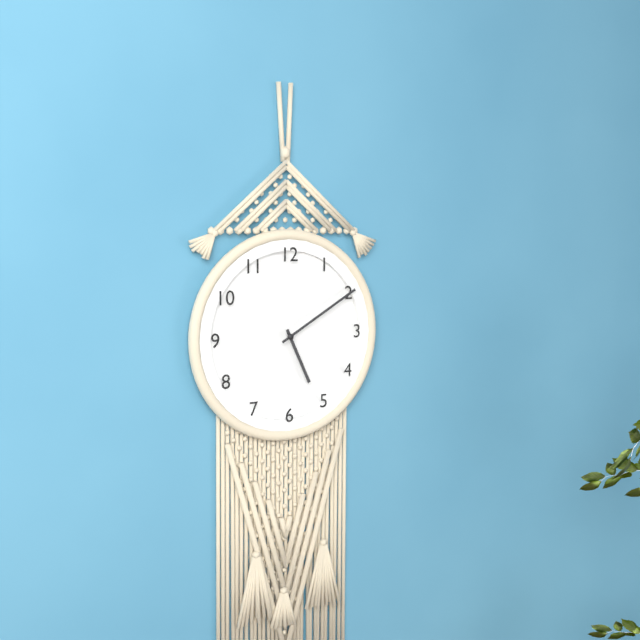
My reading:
5:10
